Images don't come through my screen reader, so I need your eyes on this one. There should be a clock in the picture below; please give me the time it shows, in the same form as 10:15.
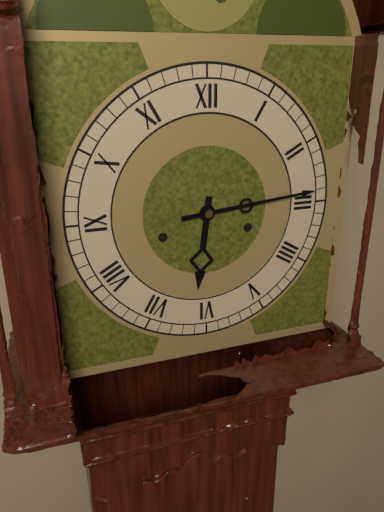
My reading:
6:14
